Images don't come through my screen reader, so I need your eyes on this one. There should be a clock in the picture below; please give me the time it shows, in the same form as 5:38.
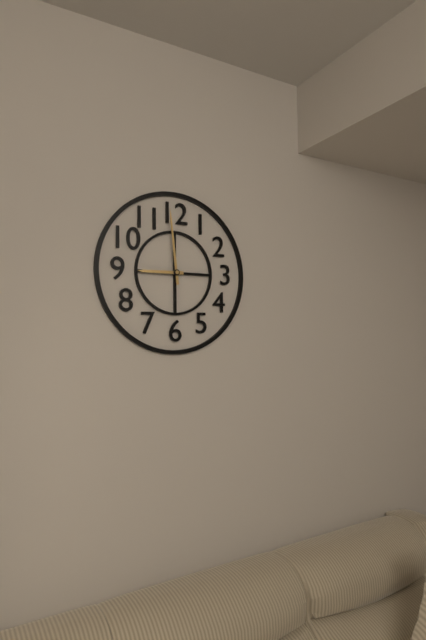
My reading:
8:59
